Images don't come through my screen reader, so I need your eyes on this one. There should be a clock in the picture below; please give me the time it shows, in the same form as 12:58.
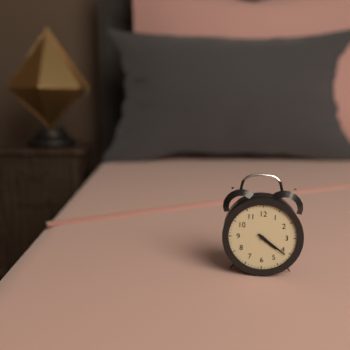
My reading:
4:21
